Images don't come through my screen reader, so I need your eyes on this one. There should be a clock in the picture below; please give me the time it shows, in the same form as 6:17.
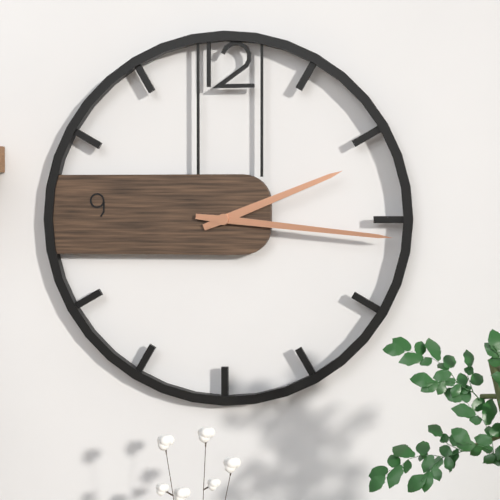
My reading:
2:16
